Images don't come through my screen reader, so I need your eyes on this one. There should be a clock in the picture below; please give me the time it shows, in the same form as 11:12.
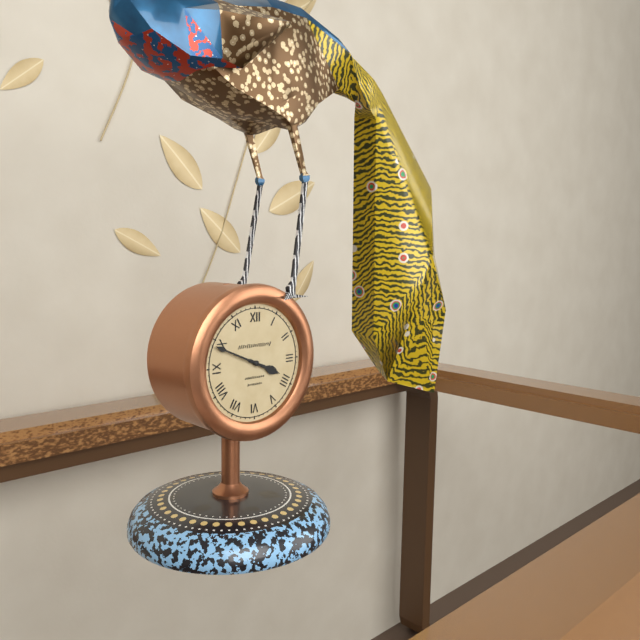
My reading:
3:49
